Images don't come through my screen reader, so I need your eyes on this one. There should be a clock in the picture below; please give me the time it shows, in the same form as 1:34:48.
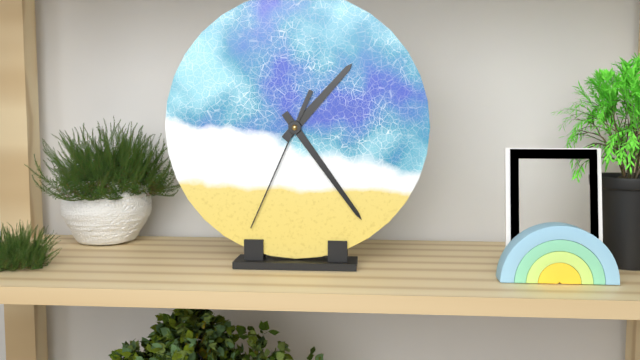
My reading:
1:24:34
